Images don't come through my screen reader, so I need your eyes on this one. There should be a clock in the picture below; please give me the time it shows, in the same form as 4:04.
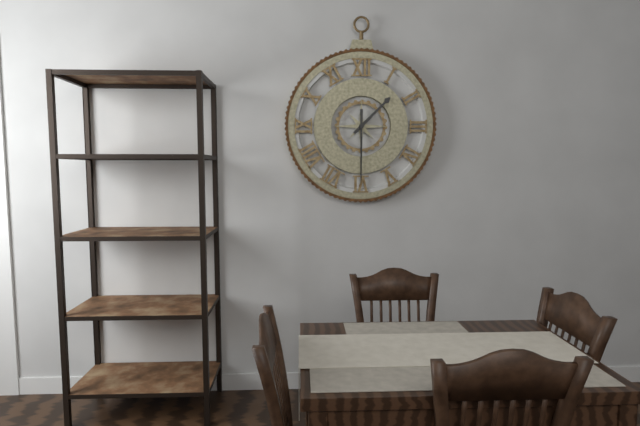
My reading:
1:30
